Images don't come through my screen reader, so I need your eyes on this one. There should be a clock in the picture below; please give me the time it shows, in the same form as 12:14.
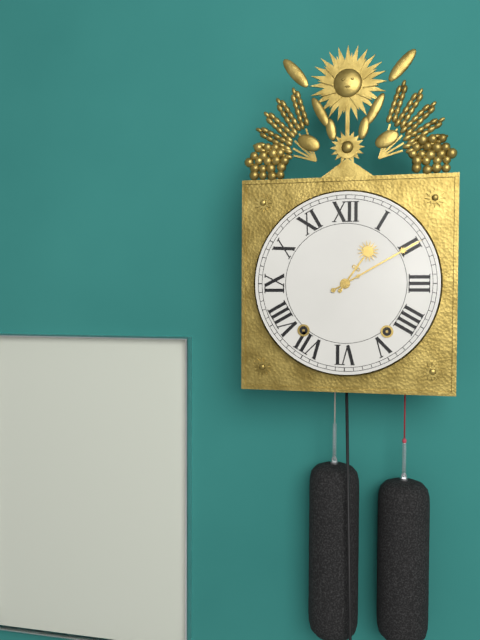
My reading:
1:10
